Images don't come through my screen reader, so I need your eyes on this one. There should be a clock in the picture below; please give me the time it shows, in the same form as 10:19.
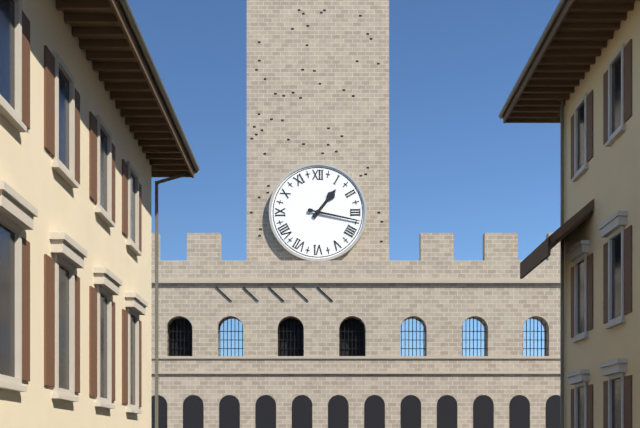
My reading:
1:17
